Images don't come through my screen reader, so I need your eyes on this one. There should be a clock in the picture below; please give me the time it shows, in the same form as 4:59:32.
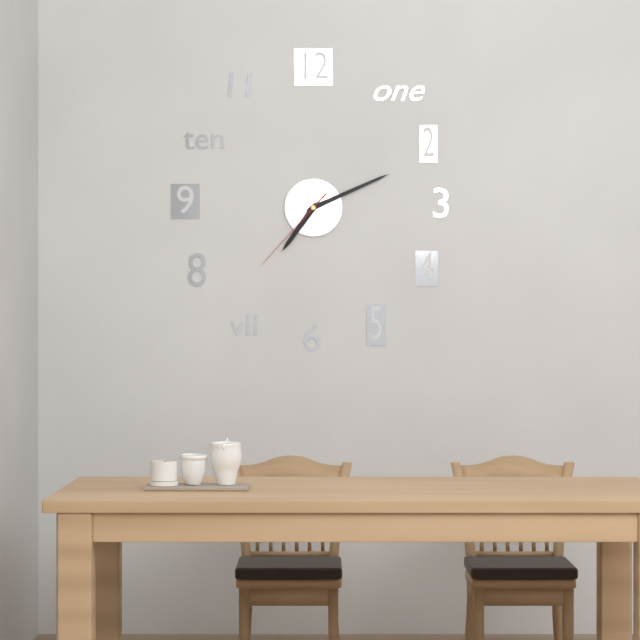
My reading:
7:11:37
